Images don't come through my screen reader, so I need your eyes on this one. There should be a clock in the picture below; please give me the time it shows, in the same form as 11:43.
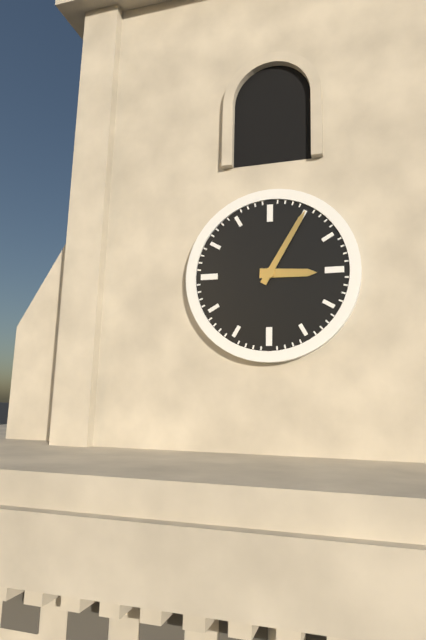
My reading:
3:05
